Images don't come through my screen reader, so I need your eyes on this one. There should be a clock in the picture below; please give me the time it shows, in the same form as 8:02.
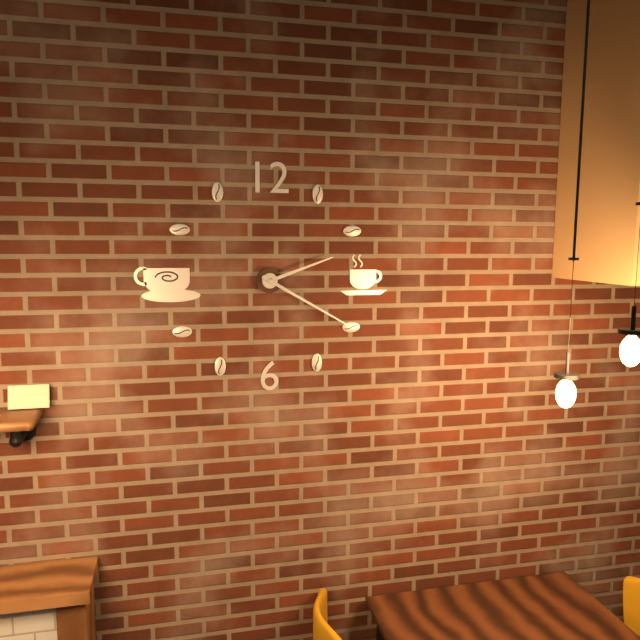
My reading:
2:20
